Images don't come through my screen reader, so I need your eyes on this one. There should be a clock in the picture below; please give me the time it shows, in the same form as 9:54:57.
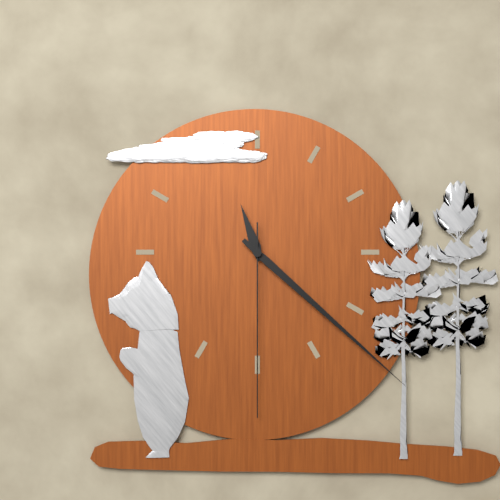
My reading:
11:22:30
